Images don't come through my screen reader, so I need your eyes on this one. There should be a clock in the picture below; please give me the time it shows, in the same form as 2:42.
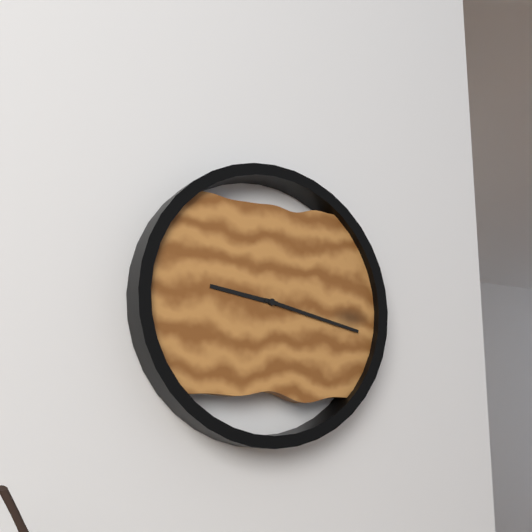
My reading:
9:17
